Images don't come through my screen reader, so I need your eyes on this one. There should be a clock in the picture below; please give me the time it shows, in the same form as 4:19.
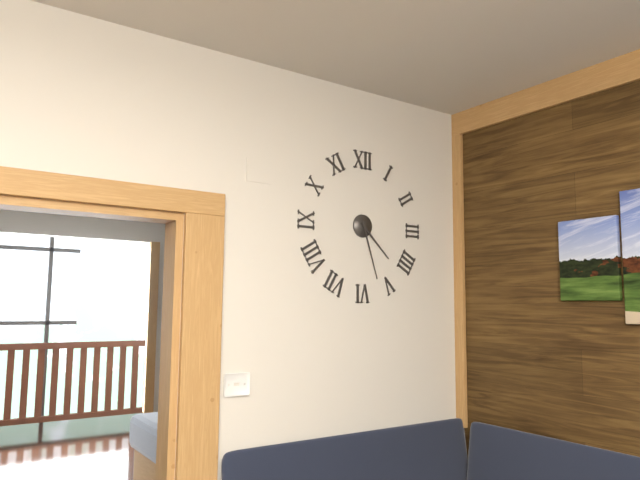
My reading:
4:27
